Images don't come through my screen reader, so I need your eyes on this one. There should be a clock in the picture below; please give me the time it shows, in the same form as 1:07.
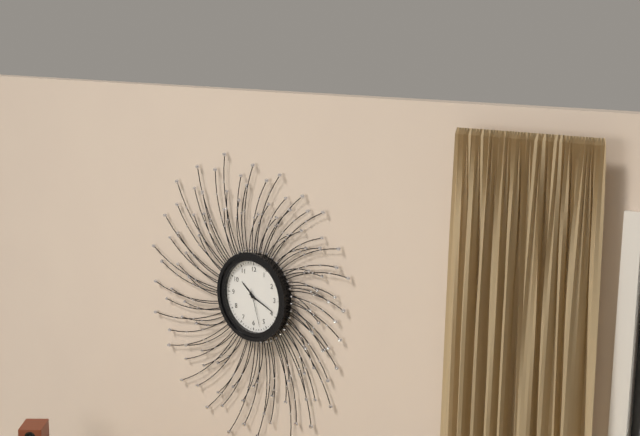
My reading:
10:19
